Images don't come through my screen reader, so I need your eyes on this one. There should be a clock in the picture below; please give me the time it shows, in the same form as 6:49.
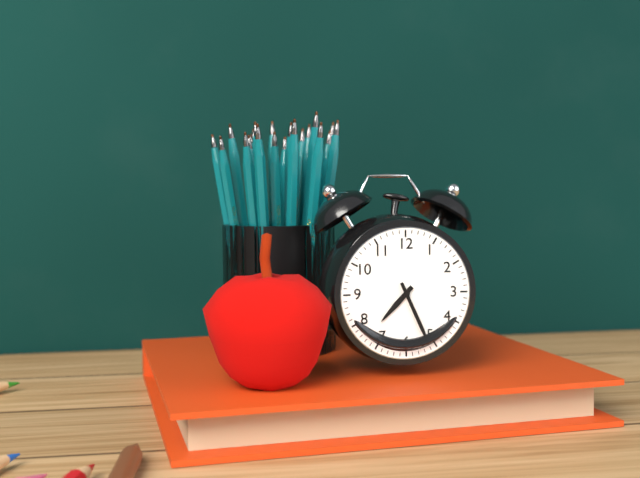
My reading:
7:26
